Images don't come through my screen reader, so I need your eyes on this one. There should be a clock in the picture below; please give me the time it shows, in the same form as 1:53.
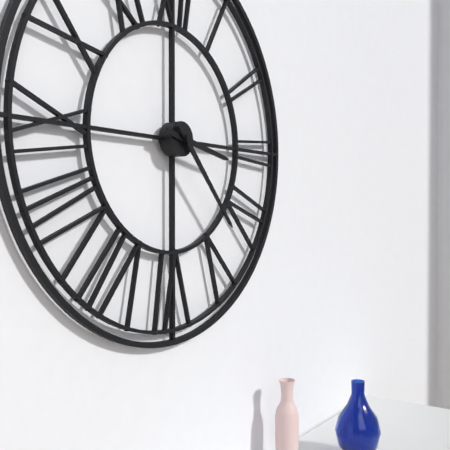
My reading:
3:23
